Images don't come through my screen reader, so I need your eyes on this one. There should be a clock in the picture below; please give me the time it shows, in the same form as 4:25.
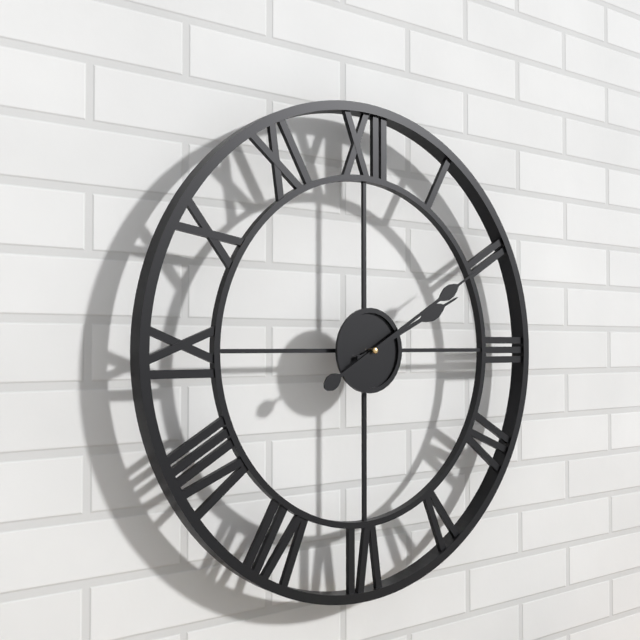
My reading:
2:10
